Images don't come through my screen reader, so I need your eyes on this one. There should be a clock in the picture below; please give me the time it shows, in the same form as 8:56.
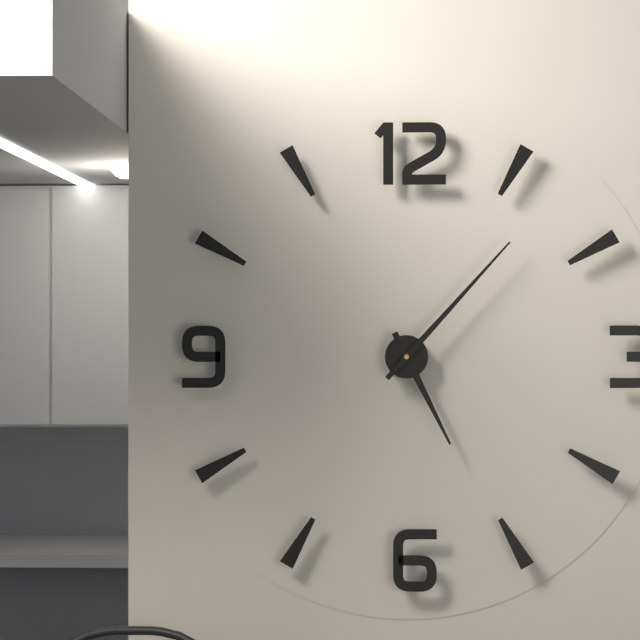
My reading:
5:07
